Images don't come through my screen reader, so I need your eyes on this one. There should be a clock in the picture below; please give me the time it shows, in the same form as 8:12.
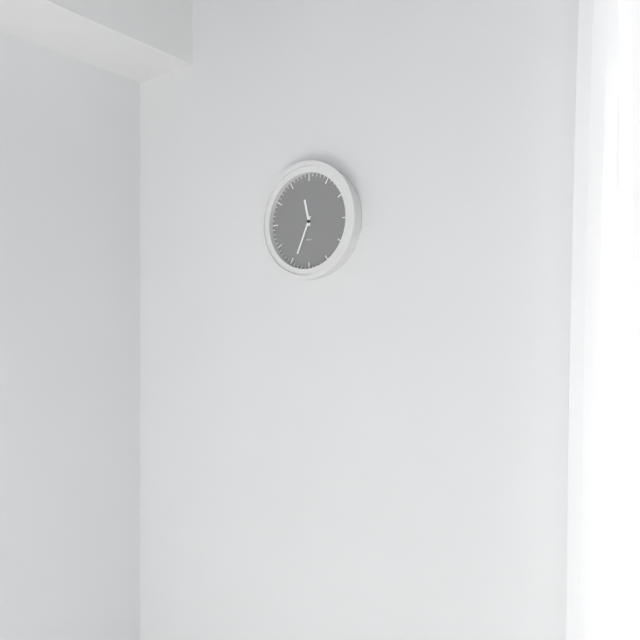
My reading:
11:34
